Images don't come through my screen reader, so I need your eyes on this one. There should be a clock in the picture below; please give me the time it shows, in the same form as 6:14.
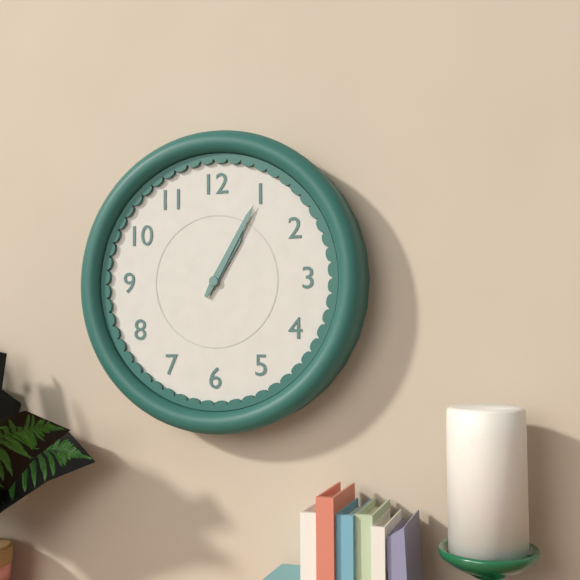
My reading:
1:05
